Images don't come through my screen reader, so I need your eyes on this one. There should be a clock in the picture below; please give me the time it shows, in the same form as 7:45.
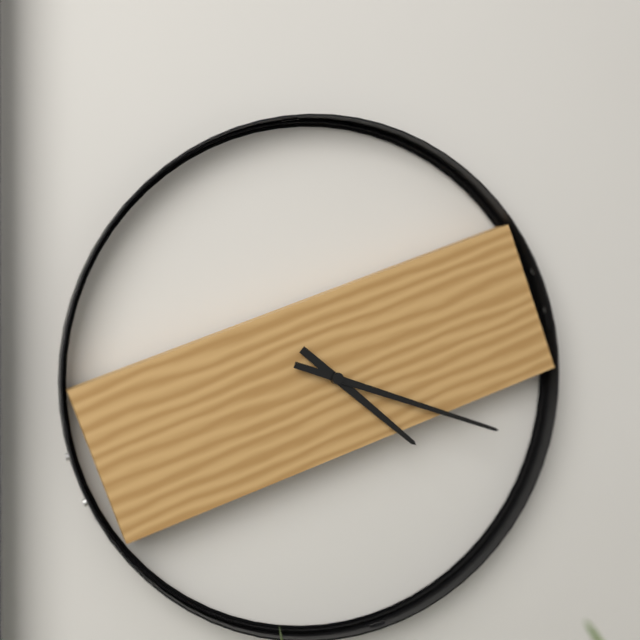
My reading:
4:18
